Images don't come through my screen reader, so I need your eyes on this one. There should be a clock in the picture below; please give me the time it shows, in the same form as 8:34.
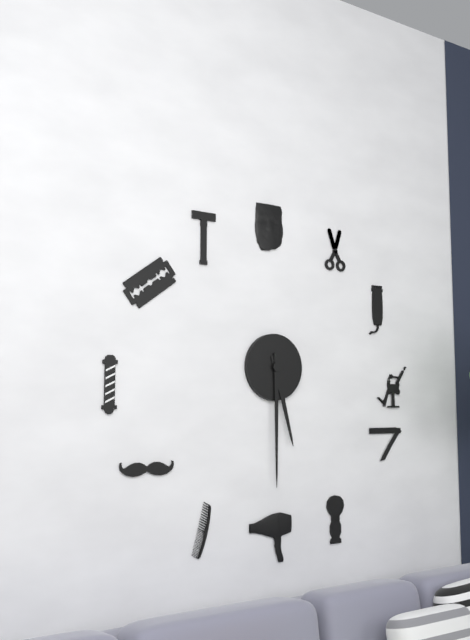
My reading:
5:30
